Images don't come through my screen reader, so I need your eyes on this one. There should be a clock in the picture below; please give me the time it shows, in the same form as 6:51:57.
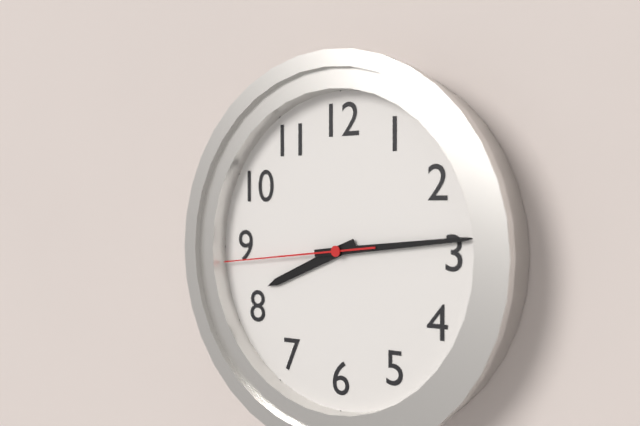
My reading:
8:14:44
